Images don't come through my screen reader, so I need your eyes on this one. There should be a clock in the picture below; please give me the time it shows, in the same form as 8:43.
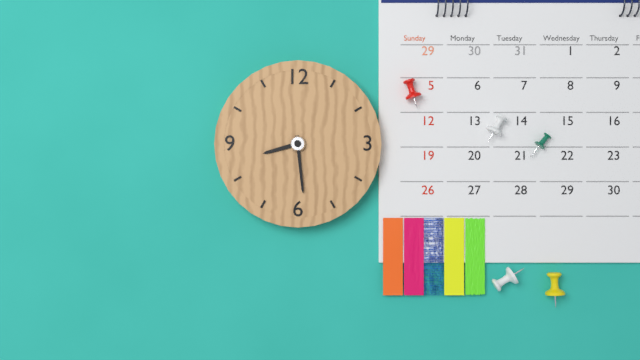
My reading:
8:29
